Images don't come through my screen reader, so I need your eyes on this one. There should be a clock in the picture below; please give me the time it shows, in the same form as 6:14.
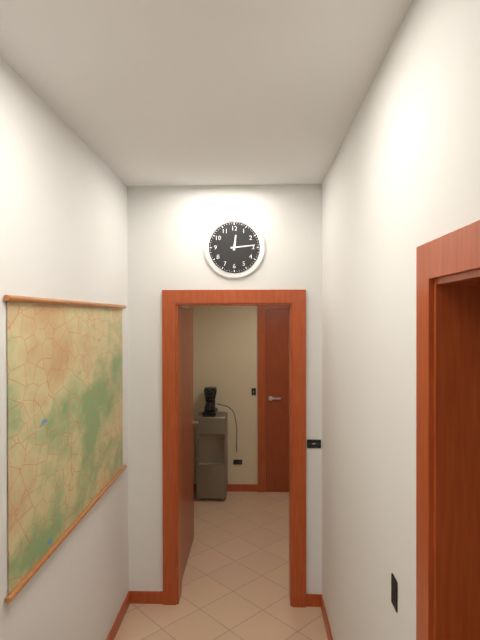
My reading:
12:14
